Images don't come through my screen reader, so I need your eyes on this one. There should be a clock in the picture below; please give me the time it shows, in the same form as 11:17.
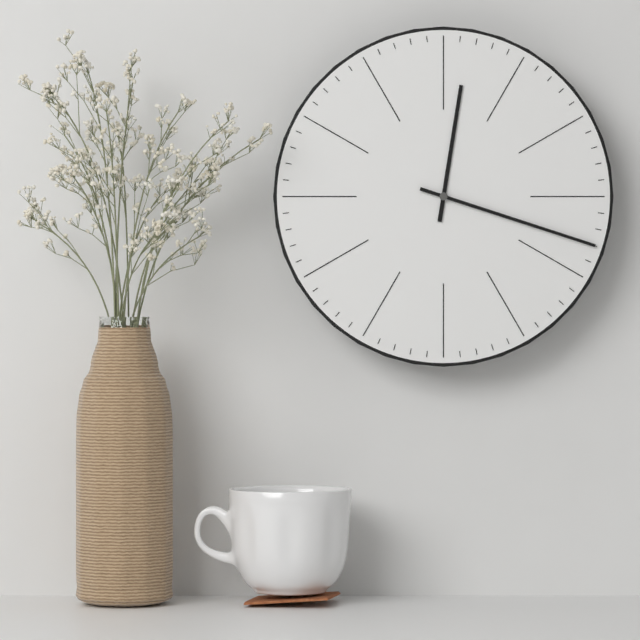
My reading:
12:18
